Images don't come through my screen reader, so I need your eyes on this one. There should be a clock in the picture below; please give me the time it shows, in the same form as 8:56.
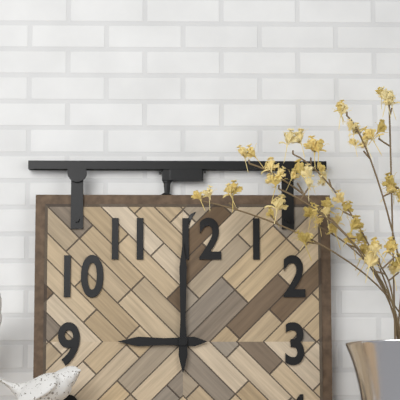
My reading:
9:00
